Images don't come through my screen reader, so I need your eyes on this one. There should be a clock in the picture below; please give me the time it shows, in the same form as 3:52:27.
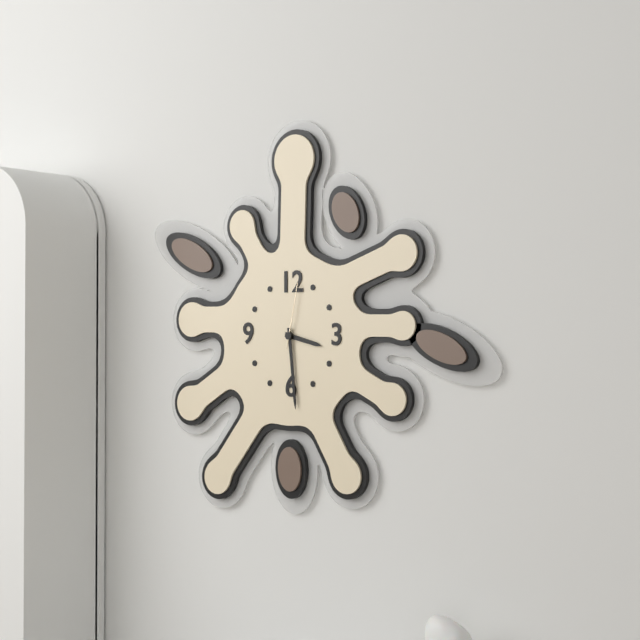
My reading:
3:29:02
